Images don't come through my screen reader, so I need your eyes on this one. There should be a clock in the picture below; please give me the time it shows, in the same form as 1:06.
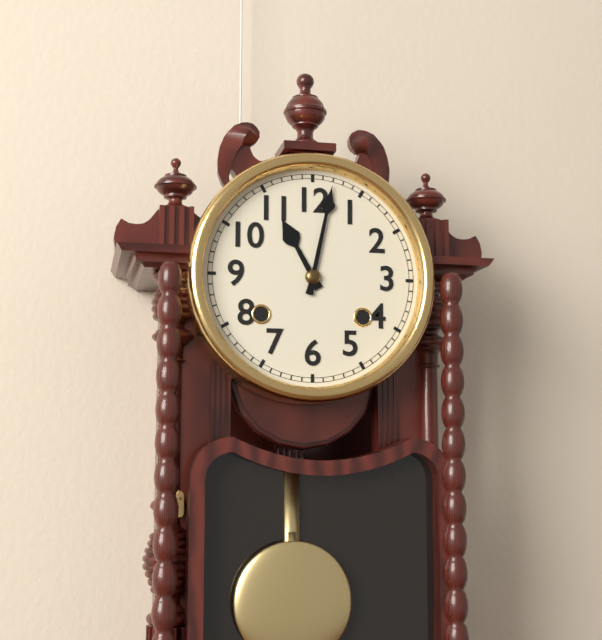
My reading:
11:02
